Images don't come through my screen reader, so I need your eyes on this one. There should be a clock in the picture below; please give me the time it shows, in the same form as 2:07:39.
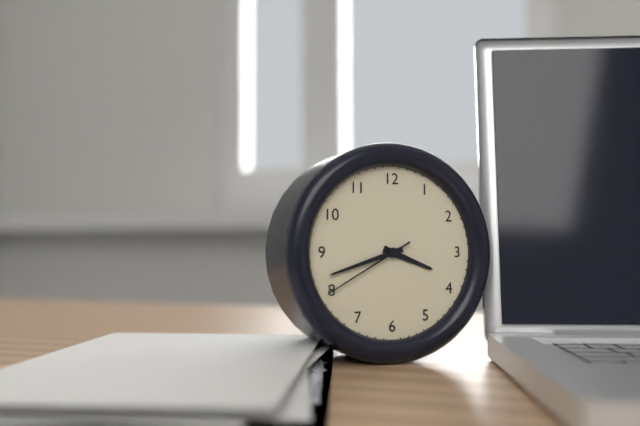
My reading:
3:42:40
